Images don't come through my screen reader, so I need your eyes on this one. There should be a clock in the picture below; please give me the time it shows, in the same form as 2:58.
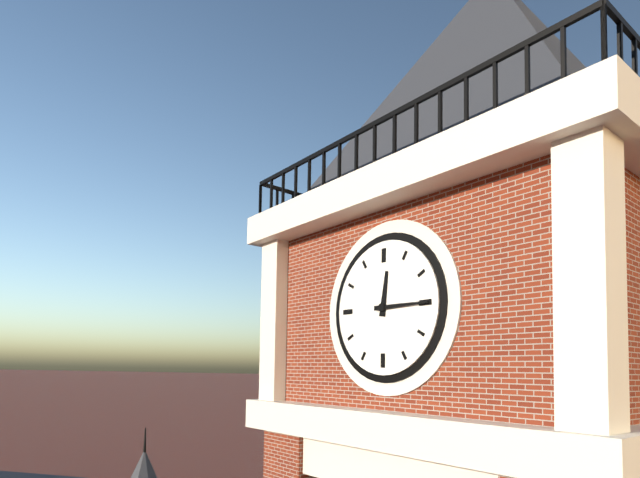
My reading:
12:15
